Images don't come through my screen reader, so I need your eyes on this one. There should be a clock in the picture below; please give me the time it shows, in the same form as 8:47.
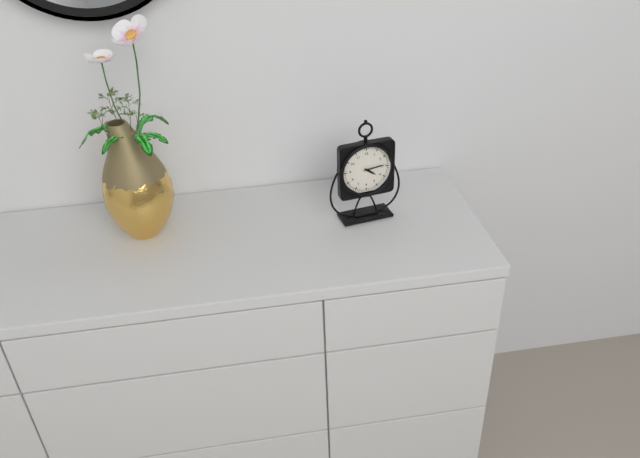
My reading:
4:14
